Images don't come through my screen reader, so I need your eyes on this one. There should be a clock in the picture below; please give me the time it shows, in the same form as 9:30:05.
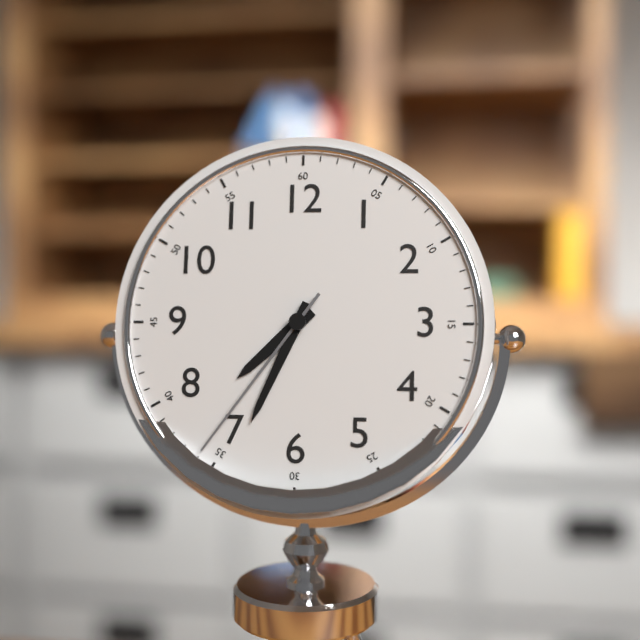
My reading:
7:34:36
